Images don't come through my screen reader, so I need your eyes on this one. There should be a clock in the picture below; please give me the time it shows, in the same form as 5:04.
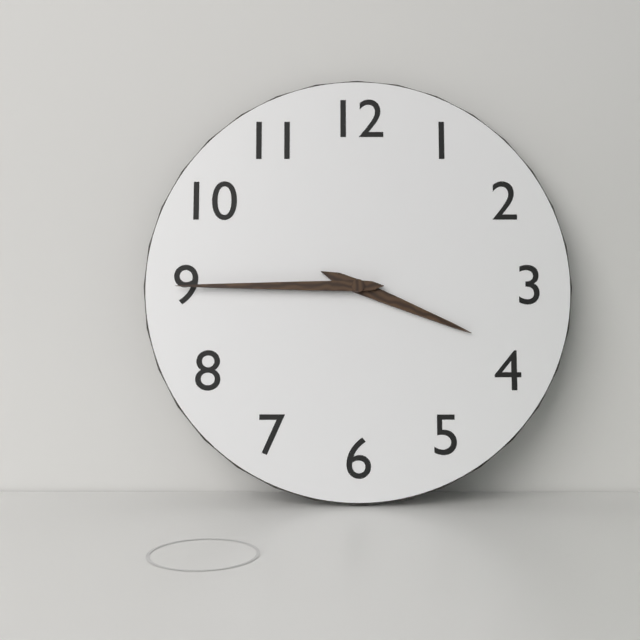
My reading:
3:45
